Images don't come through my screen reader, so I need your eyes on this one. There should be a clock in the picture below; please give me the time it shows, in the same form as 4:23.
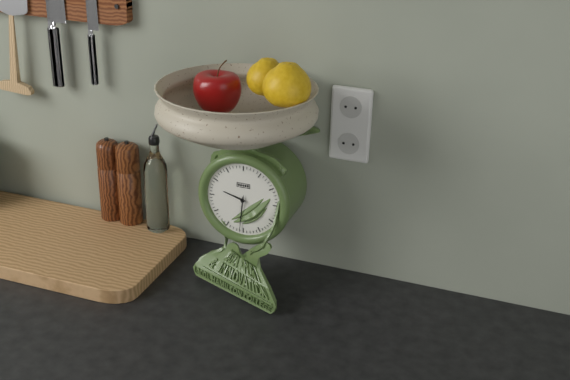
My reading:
9:31
